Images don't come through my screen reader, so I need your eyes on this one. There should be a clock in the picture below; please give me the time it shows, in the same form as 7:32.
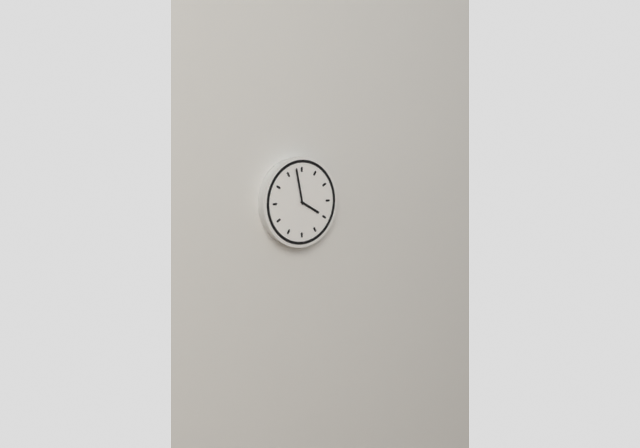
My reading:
3:58
